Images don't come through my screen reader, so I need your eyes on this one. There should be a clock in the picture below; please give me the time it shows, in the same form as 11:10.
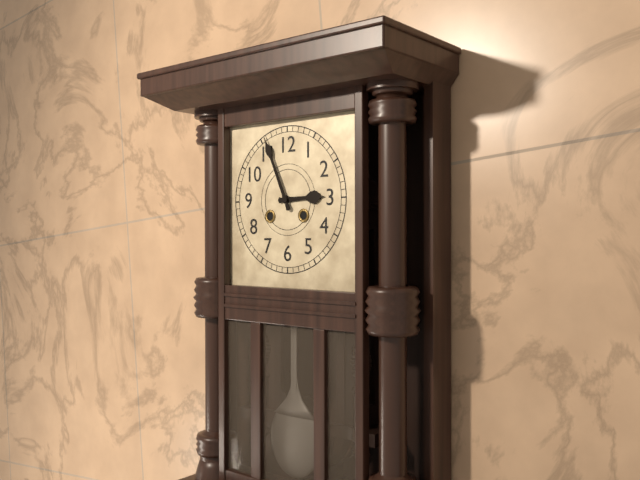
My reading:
2:56
